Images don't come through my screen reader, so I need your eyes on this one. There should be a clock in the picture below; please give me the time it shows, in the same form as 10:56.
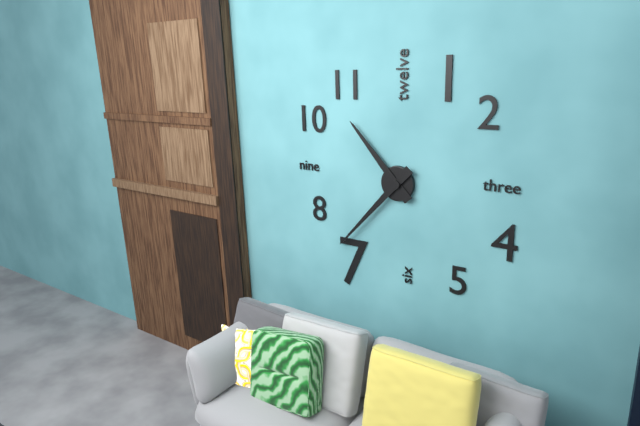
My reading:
10:37
